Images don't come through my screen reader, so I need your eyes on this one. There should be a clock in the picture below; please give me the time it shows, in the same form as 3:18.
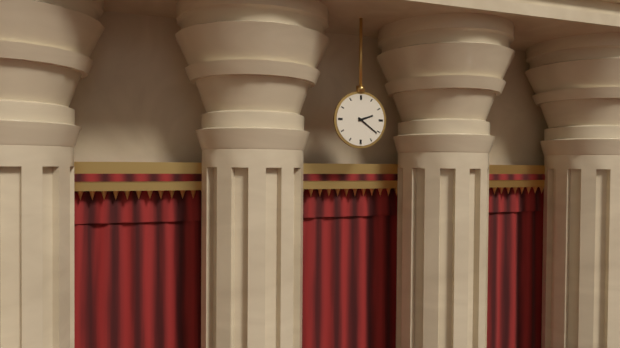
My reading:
2:21
